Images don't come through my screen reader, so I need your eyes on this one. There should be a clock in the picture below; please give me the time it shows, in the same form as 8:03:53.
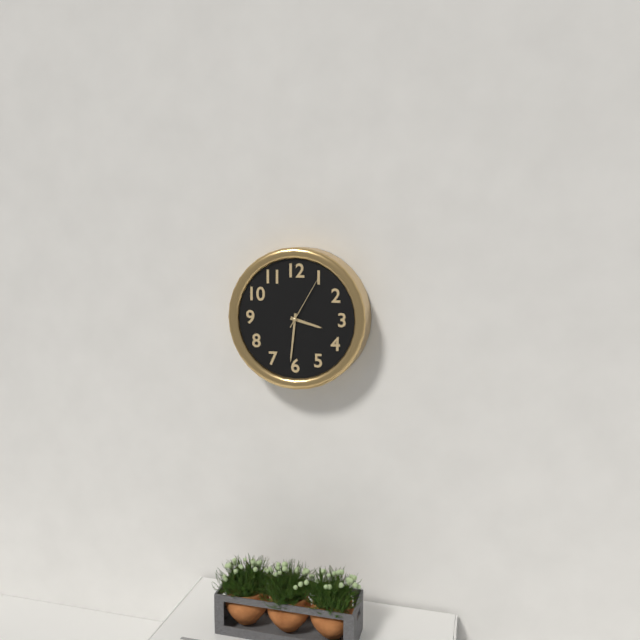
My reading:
3:31:05
